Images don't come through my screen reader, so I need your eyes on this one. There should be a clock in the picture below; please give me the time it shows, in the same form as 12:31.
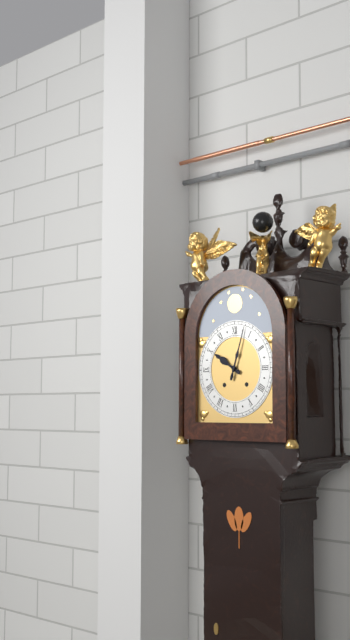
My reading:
10:03
